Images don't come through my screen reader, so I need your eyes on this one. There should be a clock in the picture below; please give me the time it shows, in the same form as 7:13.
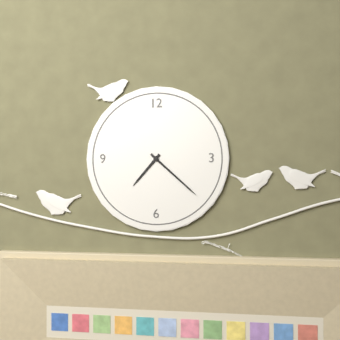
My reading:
7:22
